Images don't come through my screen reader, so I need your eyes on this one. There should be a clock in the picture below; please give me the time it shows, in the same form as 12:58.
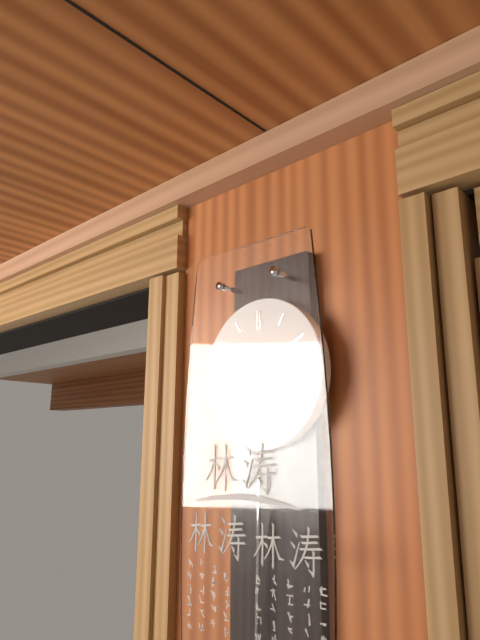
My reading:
3:14
